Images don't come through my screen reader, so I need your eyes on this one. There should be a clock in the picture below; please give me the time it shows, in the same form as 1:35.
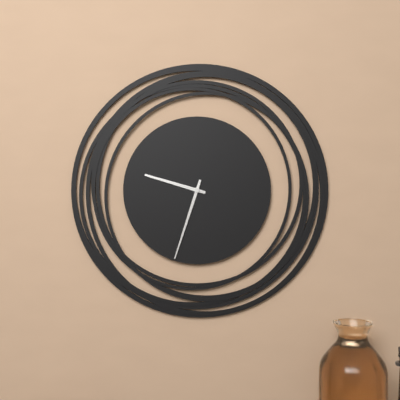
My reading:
9:33
